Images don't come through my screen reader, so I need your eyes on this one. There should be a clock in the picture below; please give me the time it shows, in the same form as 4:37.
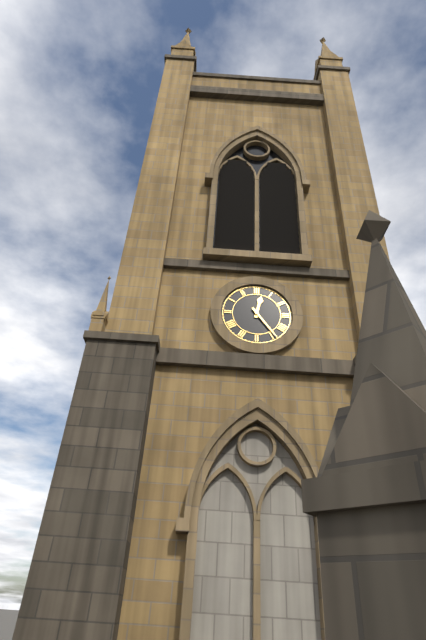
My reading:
12:24
